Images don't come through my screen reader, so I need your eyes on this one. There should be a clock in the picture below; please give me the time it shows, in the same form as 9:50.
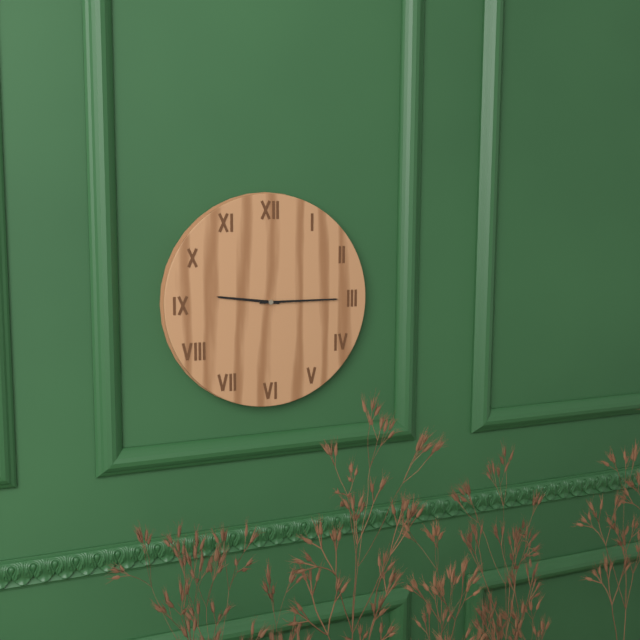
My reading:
9:15
